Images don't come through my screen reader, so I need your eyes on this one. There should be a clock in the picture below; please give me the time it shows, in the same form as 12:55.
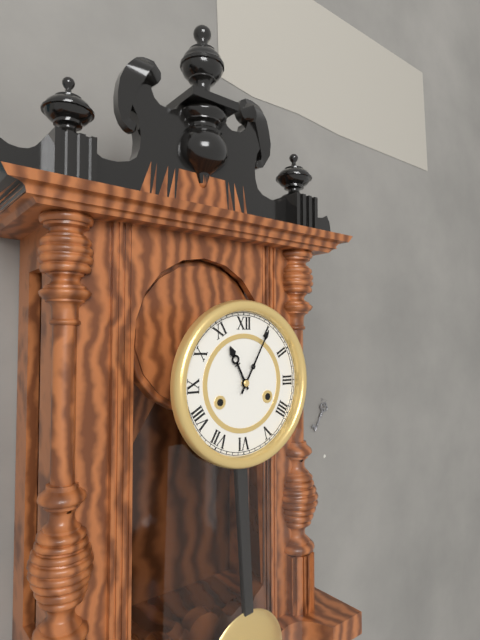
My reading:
11:05
